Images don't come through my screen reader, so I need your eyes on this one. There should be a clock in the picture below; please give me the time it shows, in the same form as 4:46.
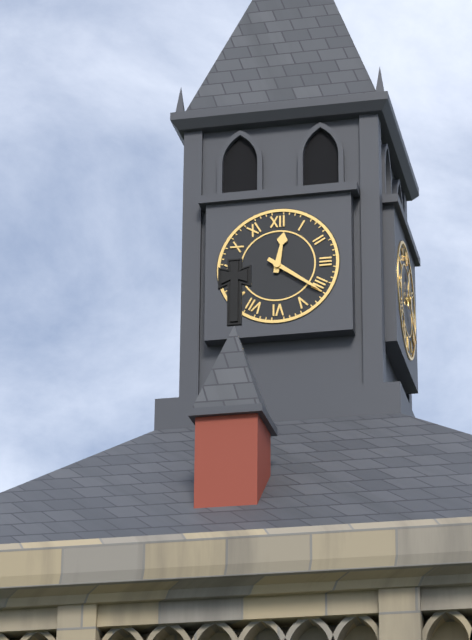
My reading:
12:21
